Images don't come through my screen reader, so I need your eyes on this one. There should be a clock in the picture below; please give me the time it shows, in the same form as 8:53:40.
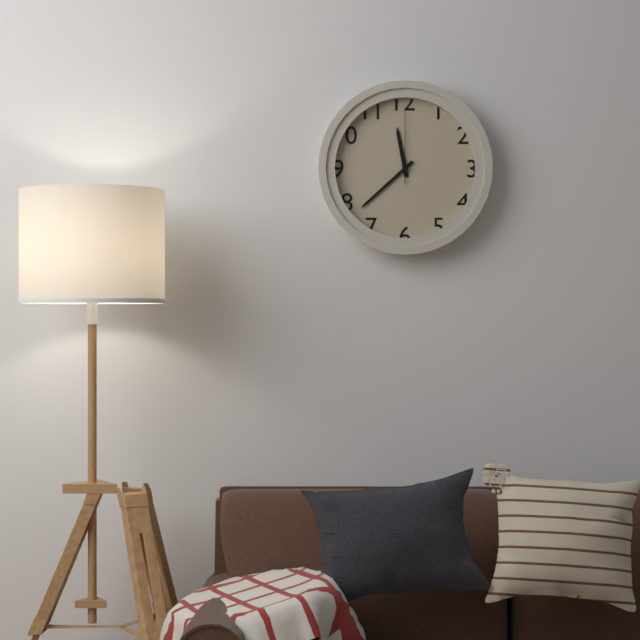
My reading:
11:38:00
